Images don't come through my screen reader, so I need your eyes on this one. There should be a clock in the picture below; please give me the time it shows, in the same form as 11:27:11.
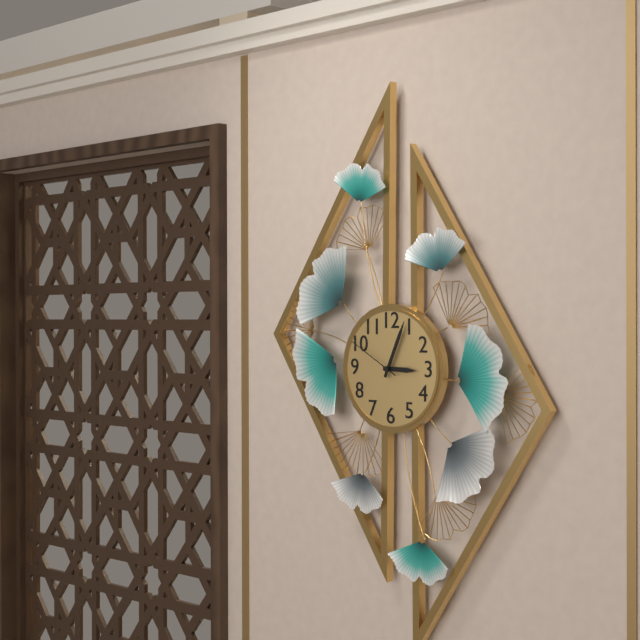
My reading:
3:04:50
